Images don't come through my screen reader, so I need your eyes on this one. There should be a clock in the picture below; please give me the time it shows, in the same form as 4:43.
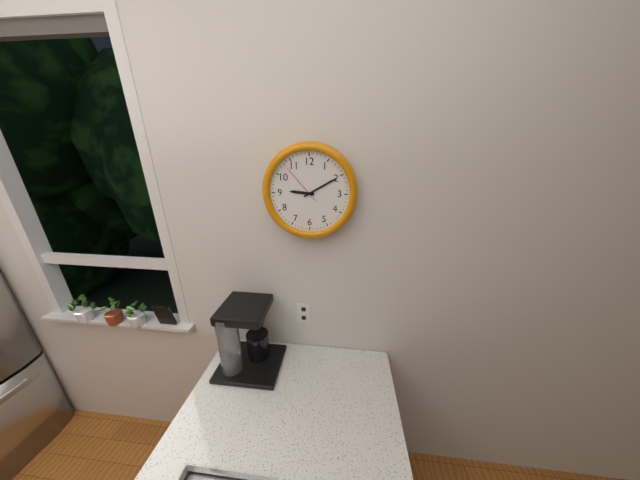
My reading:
9:10
